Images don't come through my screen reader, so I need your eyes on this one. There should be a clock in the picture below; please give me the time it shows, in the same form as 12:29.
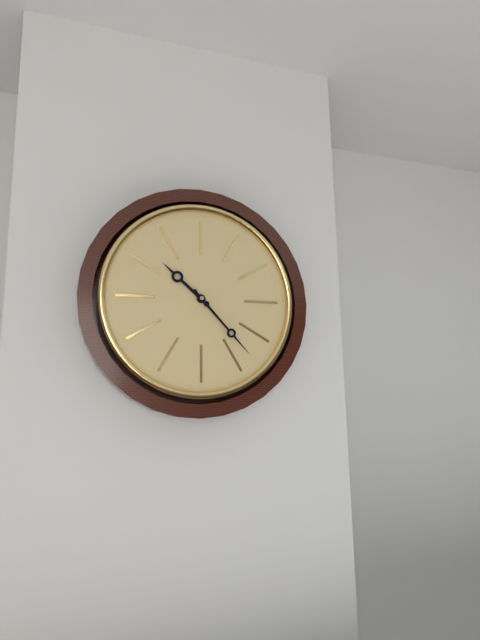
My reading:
10:23
